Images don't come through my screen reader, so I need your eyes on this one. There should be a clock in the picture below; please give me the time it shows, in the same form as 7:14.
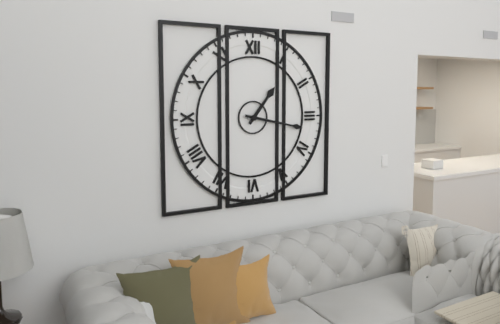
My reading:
1:17
